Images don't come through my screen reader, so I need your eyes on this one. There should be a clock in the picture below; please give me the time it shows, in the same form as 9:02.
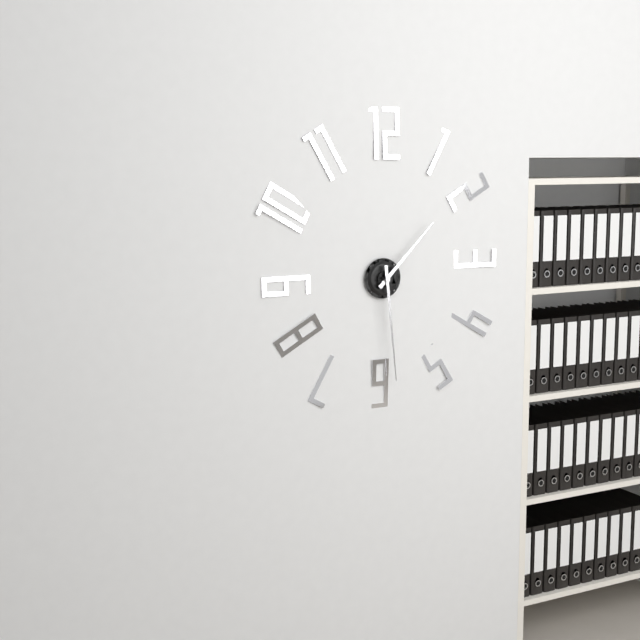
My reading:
1:29
